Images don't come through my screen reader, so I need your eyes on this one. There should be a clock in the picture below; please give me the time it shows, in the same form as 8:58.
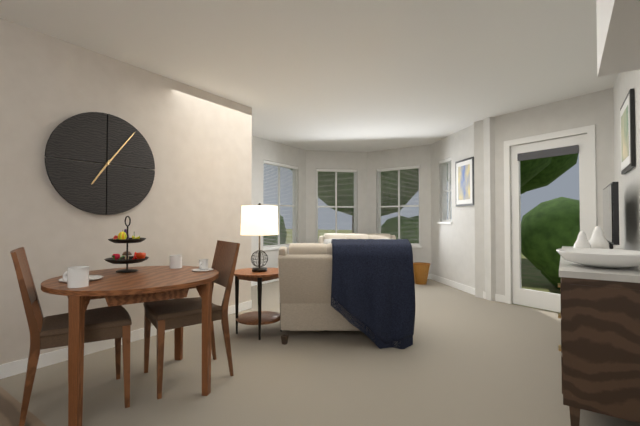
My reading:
7:06
